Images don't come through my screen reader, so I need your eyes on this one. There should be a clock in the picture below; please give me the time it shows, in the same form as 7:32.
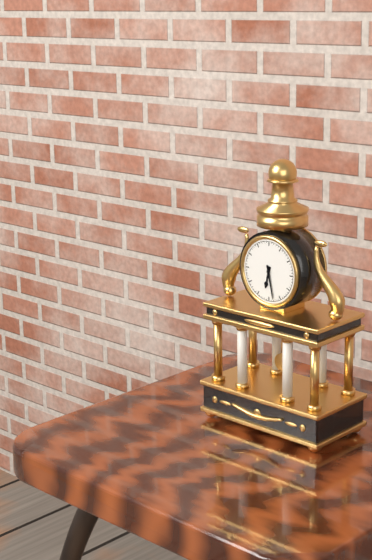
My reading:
6:28
